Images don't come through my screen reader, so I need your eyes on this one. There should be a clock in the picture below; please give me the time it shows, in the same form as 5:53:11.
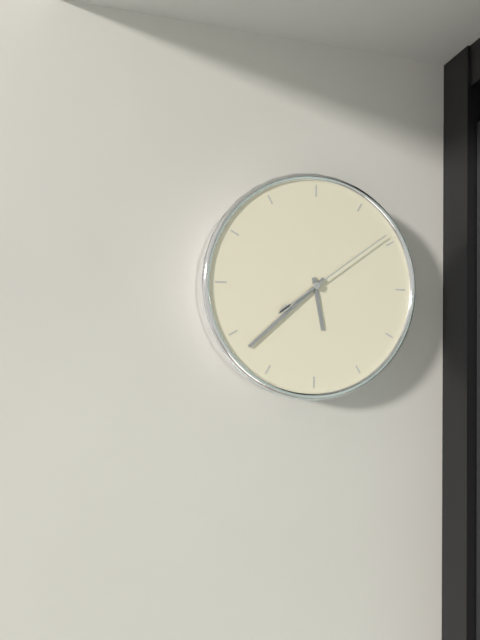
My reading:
5:38:09
